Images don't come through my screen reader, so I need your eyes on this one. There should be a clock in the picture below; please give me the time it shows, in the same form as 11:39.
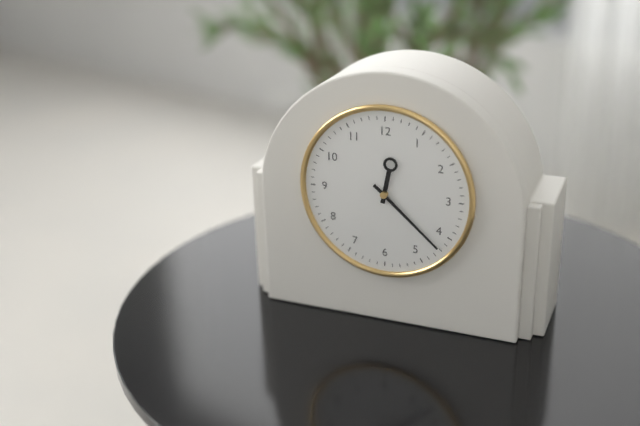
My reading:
12:22
